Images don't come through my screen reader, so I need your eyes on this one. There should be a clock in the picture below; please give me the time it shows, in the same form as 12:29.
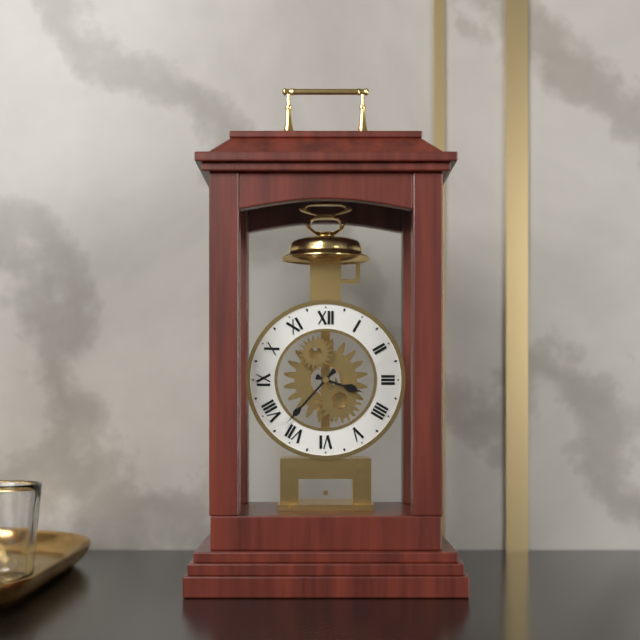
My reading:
3:37
